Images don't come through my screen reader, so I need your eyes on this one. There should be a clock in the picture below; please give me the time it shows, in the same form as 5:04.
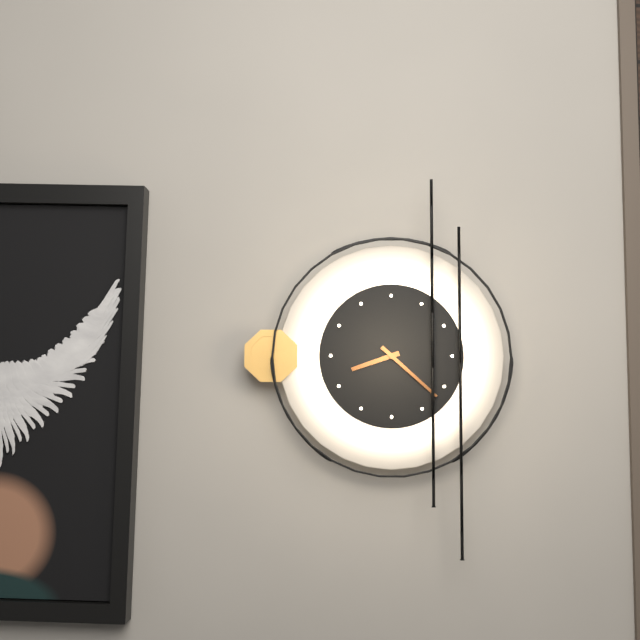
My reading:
8:22
